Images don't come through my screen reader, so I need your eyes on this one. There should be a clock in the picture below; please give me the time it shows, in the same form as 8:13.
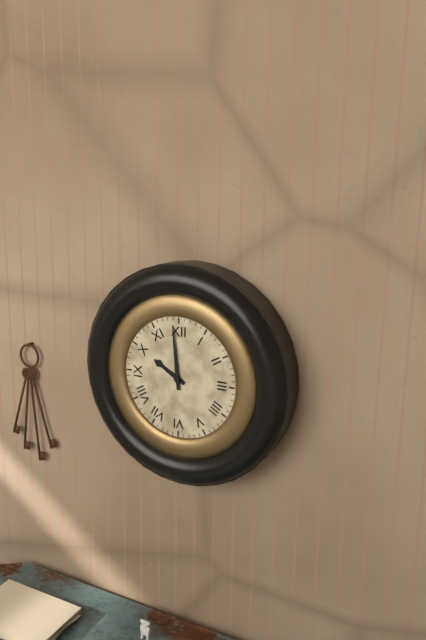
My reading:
9:59
